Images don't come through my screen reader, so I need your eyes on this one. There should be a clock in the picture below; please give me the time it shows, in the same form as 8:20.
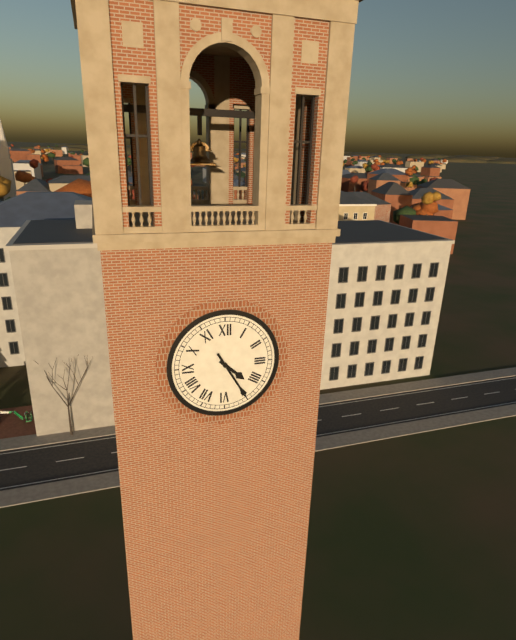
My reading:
4:25
